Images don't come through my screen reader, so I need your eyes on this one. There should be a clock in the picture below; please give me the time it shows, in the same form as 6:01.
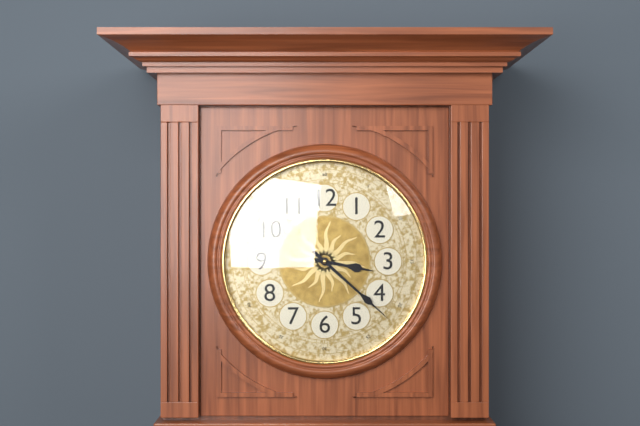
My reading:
3:22
